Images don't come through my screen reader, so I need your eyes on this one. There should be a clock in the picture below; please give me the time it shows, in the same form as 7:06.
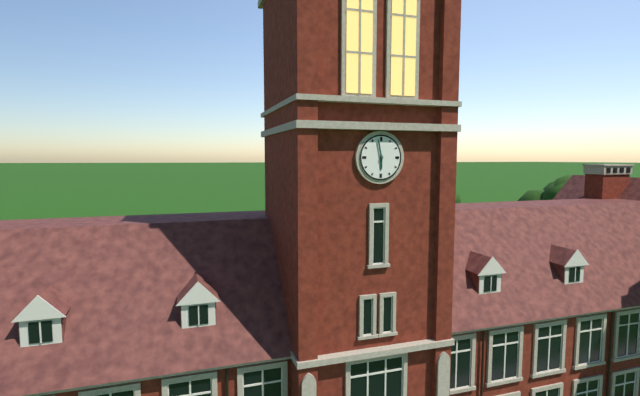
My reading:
5:58
